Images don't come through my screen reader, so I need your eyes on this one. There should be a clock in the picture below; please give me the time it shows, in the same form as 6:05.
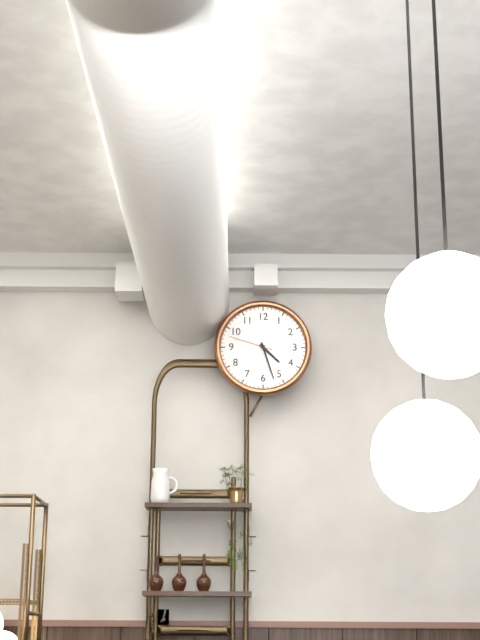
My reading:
4:27
